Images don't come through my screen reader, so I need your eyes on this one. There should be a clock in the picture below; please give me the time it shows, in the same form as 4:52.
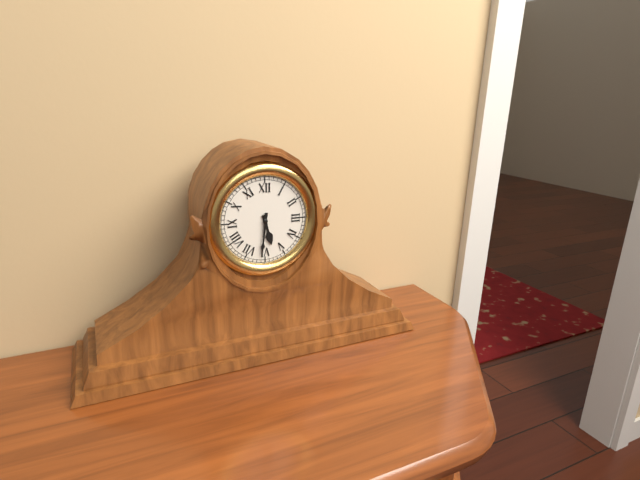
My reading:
5:31
